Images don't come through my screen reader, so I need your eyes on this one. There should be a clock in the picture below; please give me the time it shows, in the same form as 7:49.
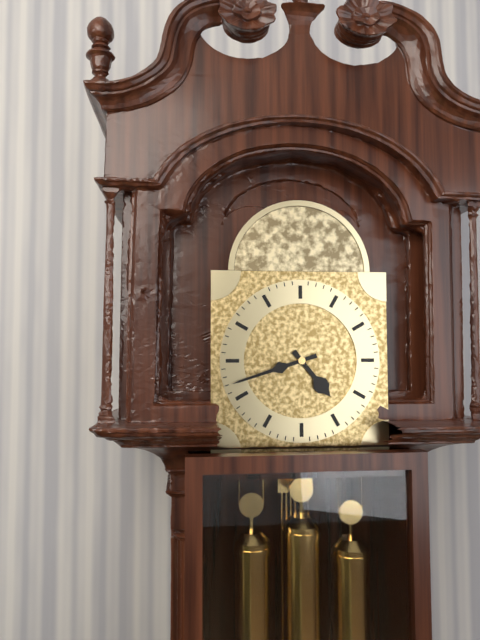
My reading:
4:42
